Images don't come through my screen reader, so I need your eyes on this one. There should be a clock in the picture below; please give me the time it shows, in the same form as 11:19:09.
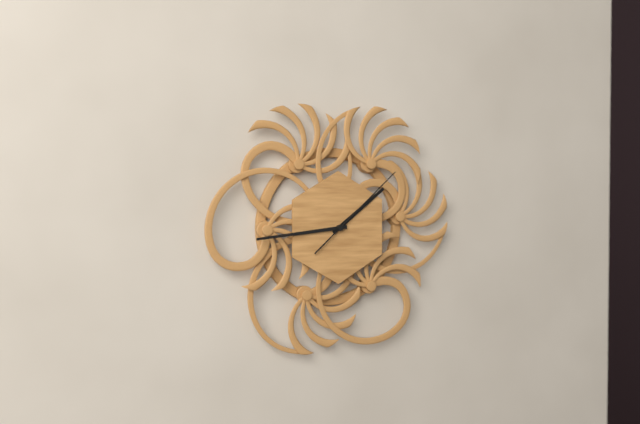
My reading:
1:44:08
